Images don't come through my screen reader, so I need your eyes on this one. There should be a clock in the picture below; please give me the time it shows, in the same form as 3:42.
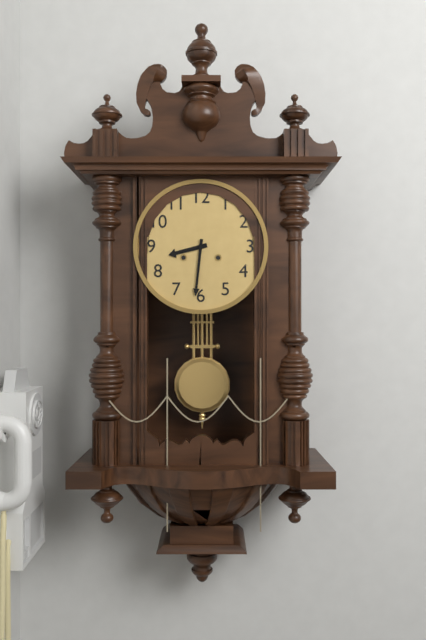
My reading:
8:31
